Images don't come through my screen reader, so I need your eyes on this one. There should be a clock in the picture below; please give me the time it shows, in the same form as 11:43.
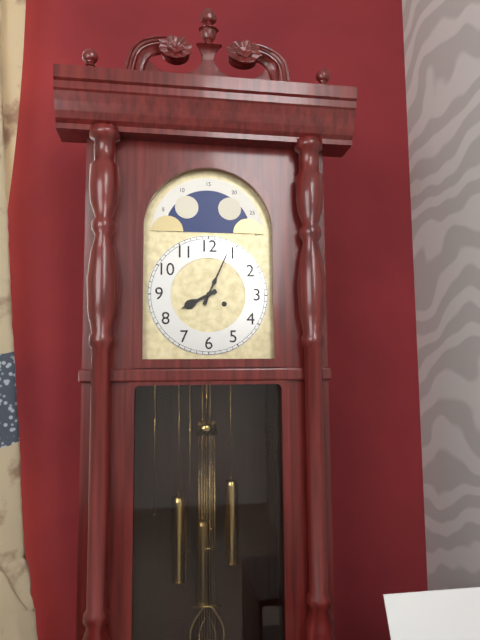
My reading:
8:04
